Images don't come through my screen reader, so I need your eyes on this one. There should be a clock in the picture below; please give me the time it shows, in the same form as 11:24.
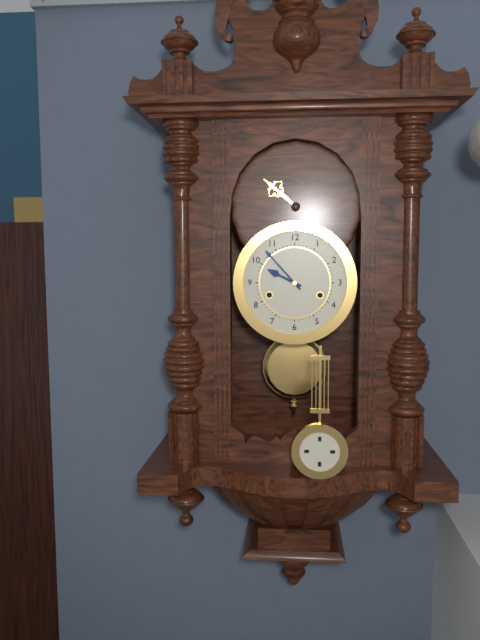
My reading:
9:53
